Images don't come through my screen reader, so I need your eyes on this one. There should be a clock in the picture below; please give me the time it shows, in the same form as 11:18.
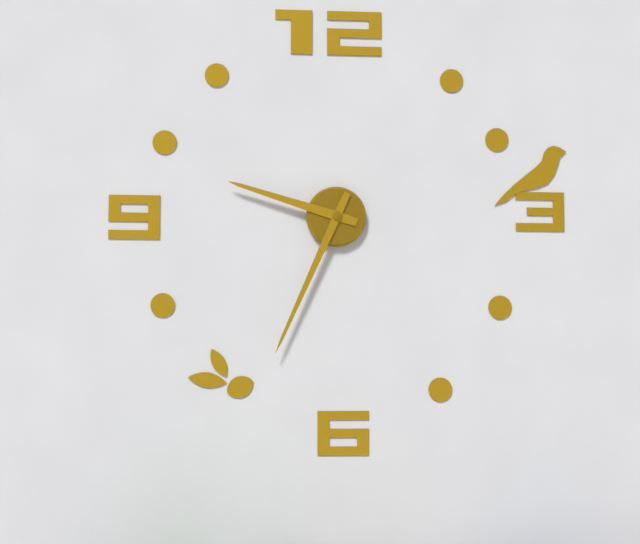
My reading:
9:34
